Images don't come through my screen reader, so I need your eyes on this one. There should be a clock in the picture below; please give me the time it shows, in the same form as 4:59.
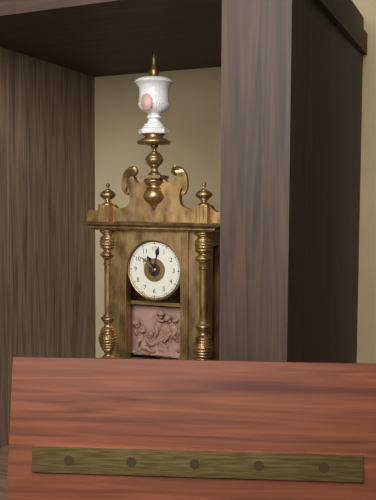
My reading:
11:02
